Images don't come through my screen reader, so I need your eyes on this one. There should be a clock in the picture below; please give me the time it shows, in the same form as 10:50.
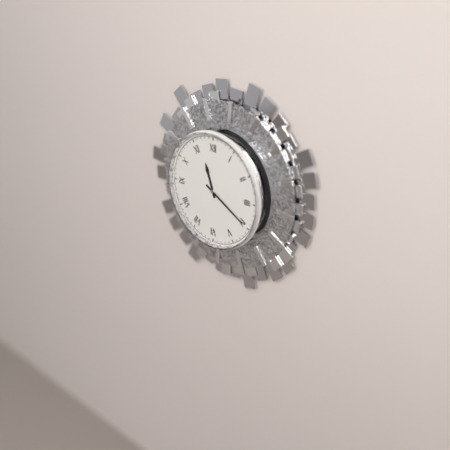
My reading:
11:20
